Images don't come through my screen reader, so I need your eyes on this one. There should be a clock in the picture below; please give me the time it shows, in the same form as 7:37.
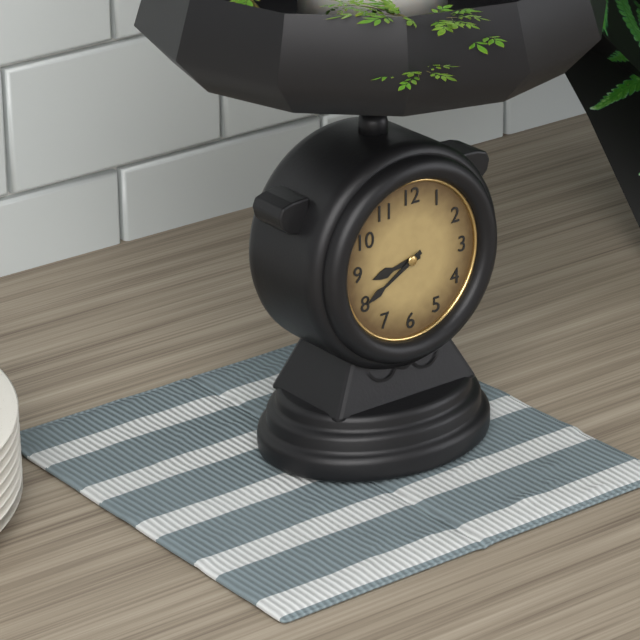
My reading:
8:40
